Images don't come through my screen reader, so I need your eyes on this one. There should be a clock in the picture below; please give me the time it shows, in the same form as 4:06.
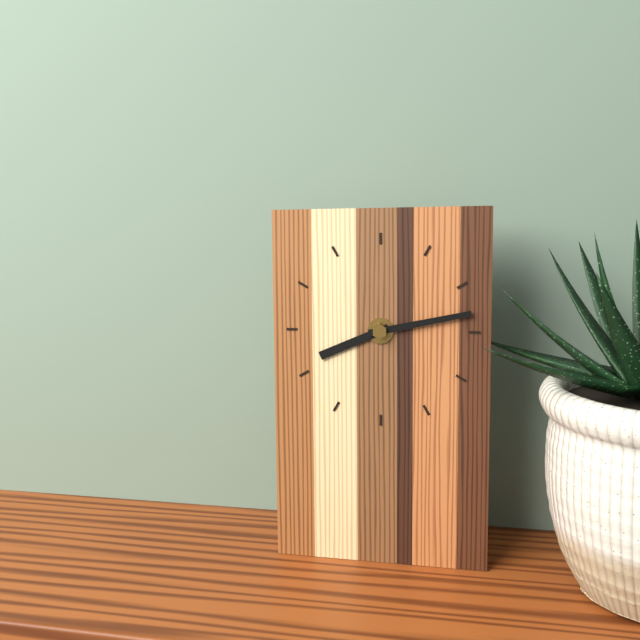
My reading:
8:13
